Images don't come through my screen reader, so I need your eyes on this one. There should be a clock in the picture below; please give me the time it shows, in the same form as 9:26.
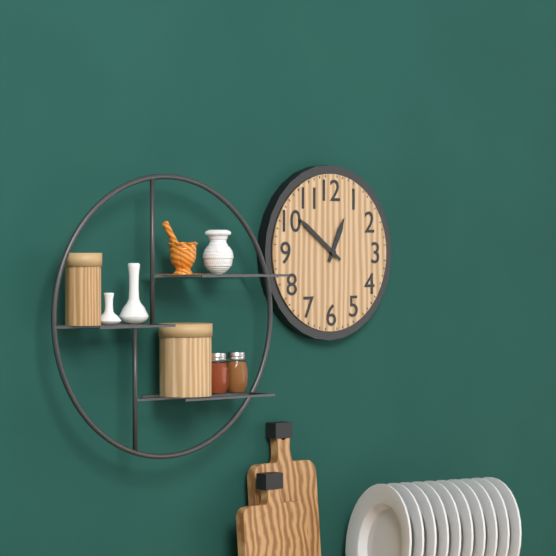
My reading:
12:51
